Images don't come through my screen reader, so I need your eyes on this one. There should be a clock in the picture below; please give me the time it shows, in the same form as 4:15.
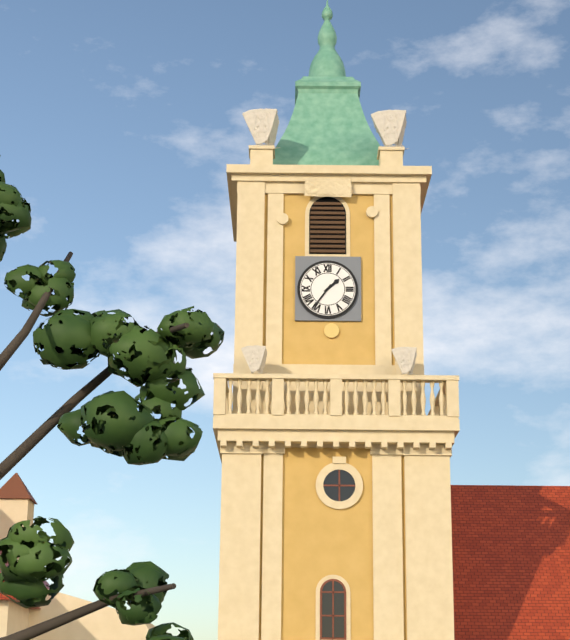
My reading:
1:36
